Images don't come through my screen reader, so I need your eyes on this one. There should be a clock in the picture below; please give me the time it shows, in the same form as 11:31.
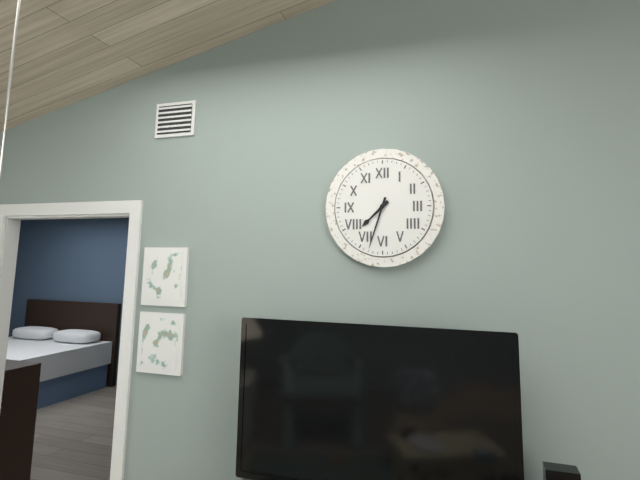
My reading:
7:33
